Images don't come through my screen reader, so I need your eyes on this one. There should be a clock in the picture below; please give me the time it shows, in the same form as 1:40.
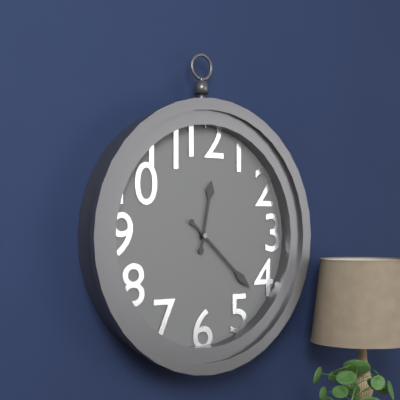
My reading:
12:22
